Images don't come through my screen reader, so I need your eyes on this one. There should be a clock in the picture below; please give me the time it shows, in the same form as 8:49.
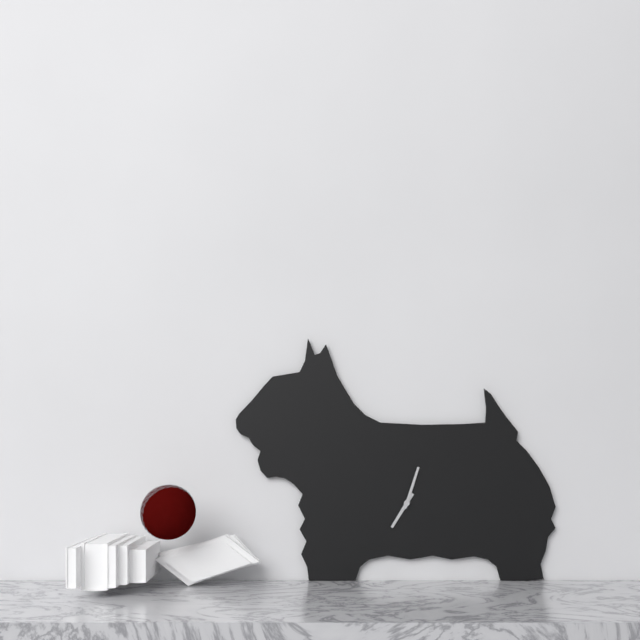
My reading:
7:03
